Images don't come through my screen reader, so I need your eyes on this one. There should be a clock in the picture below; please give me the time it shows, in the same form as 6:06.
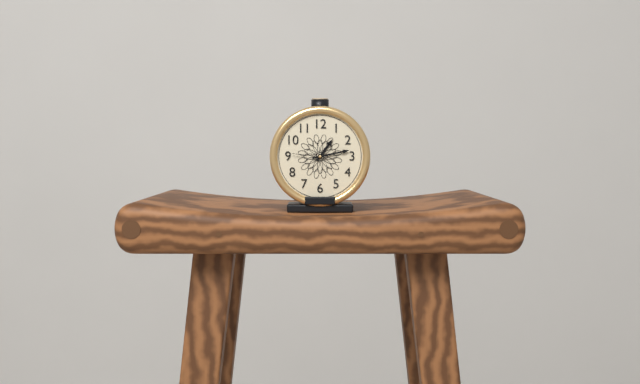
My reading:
1:13
